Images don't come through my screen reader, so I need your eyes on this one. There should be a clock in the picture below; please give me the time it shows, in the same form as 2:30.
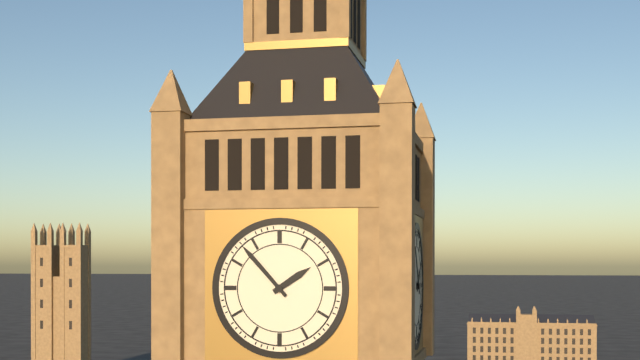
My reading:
1:53
